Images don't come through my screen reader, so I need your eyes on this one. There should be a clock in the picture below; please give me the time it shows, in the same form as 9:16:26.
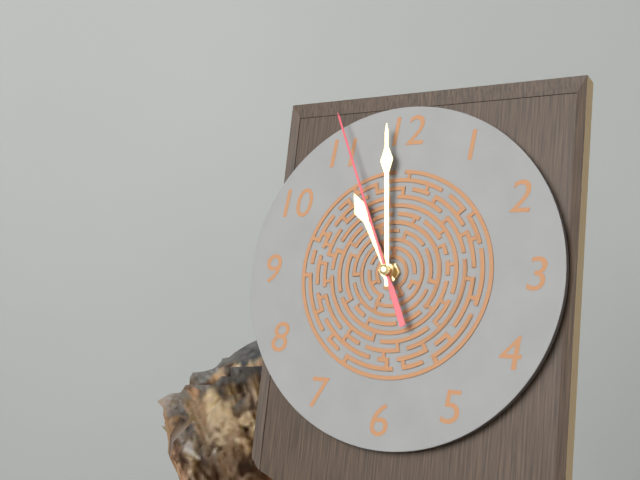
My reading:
10:59:56
